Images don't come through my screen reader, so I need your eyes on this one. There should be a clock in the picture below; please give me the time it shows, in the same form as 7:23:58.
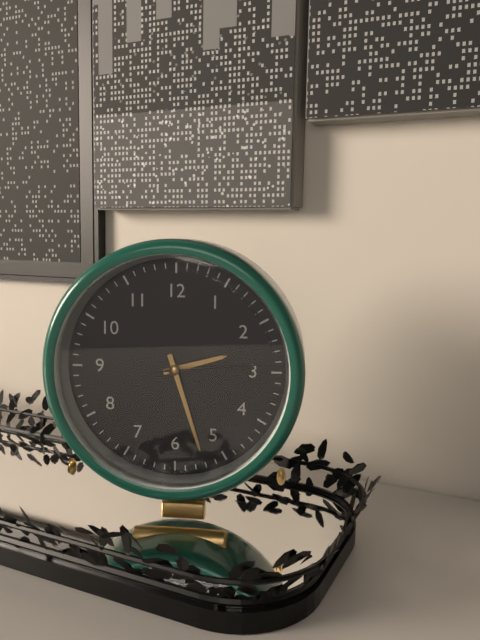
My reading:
2:27:14
